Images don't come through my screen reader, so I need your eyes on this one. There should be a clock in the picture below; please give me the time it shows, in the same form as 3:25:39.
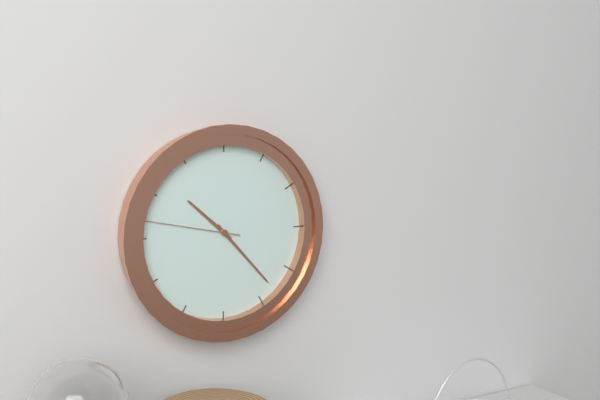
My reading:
10:23:47
